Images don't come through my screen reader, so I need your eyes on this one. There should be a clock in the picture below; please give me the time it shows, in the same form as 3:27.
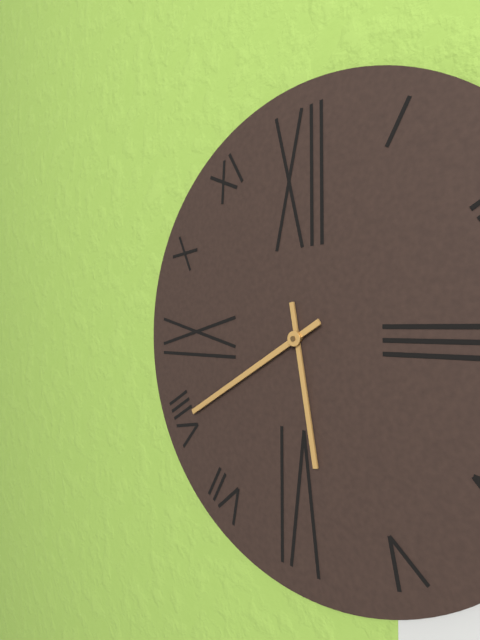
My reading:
5:40
